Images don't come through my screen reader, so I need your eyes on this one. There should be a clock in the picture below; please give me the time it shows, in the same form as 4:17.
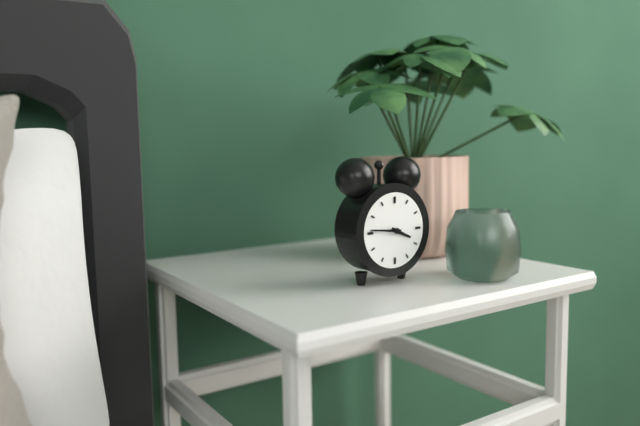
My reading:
3:46
